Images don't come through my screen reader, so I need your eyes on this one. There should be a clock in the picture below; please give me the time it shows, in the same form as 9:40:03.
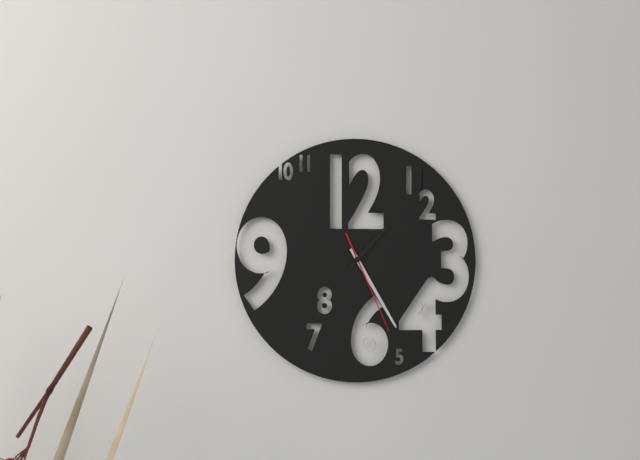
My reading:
1:25:26
